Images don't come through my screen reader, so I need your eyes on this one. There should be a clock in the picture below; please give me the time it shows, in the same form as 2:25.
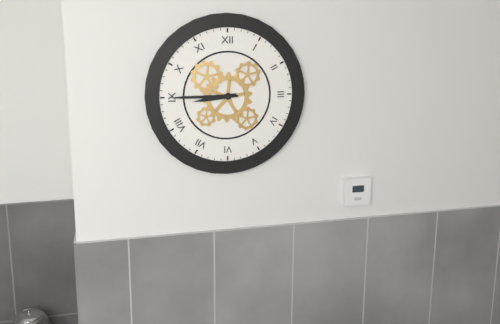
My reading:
8:45
